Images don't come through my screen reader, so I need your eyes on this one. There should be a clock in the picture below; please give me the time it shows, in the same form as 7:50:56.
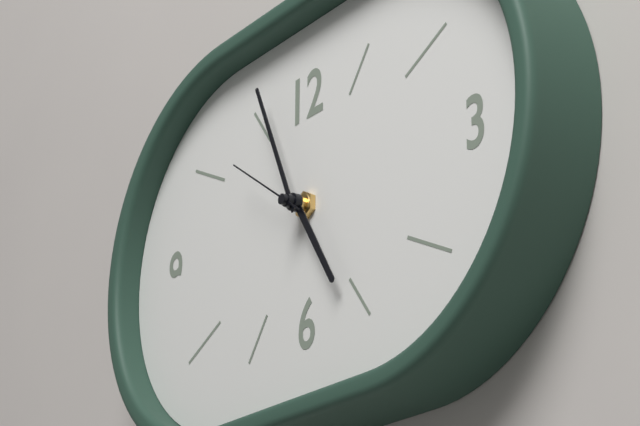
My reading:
4:56:51
